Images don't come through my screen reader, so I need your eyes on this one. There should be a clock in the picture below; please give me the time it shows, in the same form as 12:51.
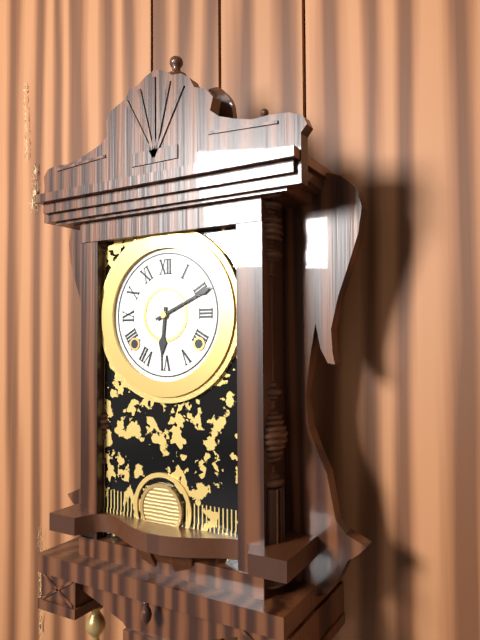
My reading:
6:11
